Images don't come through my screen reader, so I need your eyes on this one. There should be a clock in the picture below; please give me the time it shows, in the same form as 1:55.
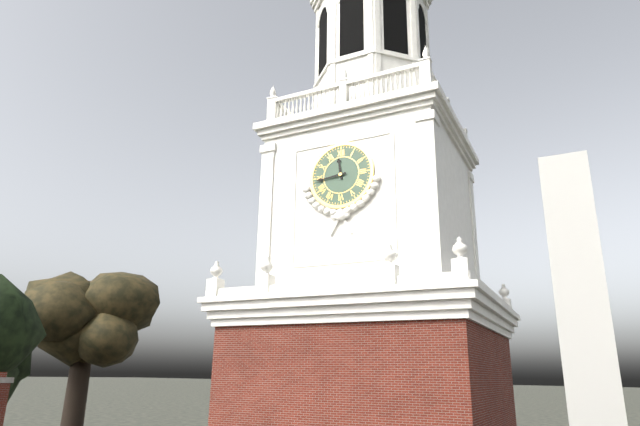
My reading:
11:44
